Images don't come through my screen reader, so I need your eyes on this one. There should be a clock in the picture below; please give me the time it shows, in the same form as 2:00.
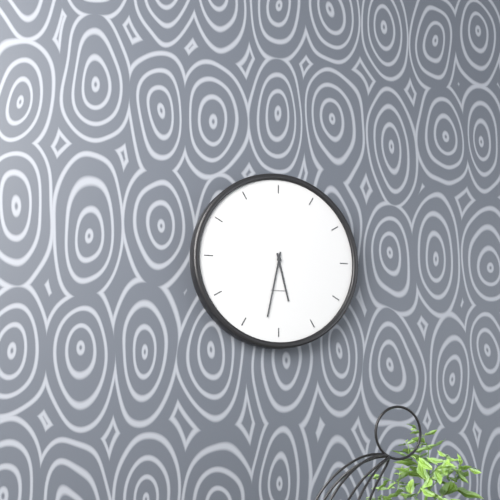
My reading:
5:32
